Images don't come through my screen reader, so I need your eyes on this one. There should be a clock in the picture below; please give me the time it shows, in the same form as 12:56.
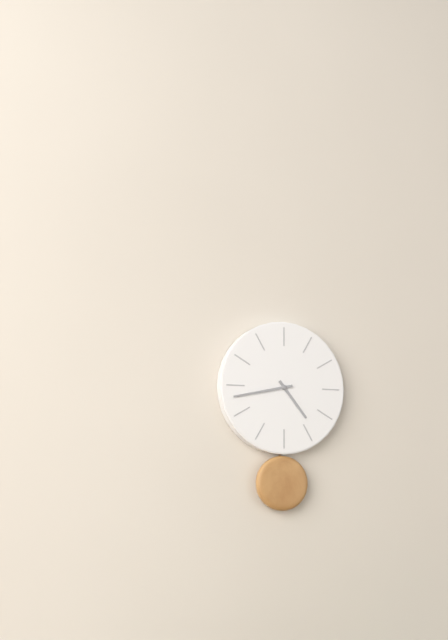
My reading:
4:43
